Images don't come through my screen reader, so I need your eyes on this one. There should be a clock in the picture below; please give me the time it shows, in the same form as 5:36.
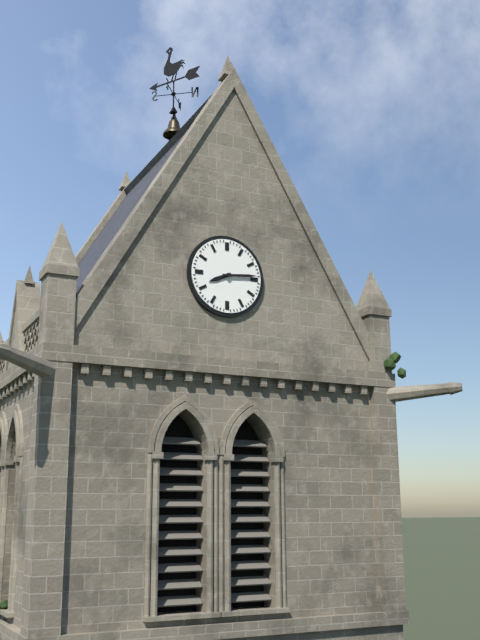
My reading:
8:14
